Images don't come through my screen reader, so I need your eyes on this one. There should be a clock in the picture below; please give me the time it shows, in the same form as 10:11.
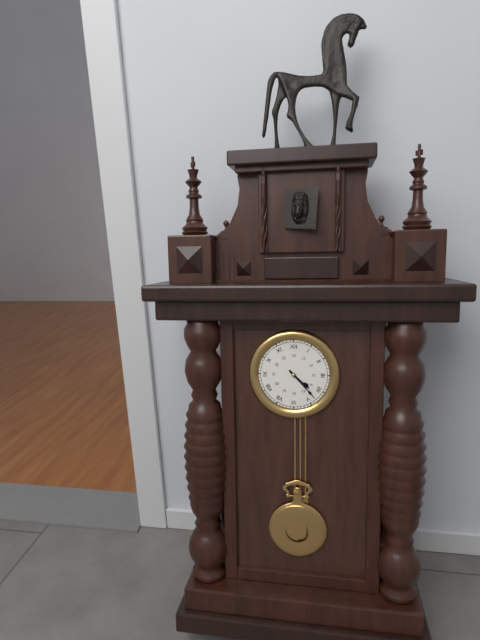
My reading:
4:23
